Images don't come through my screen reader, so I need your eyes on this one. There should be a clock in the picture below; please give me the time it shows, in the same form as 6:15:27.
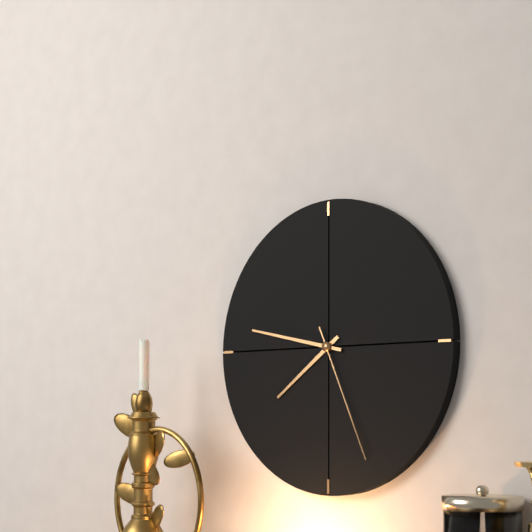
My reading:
7:47:26
